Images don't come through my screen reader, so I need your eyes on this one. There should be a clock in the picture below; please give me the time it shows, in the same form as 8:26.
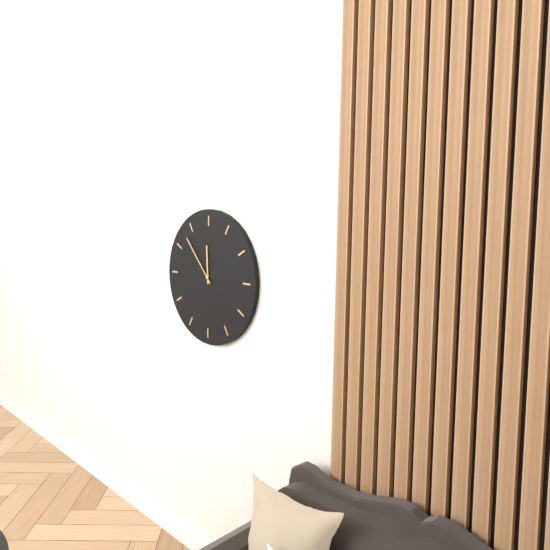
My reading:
11:53
